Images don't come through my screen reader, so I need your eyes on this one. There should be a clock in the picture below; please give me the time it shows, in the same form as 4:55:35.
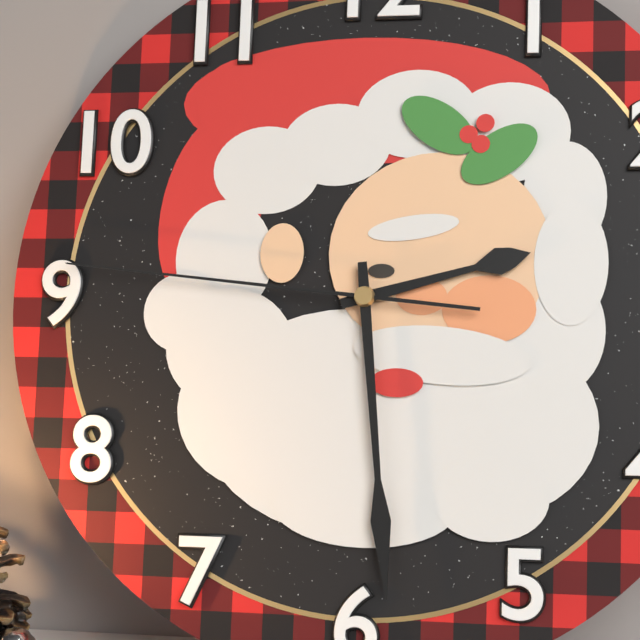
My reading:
2:29:46
